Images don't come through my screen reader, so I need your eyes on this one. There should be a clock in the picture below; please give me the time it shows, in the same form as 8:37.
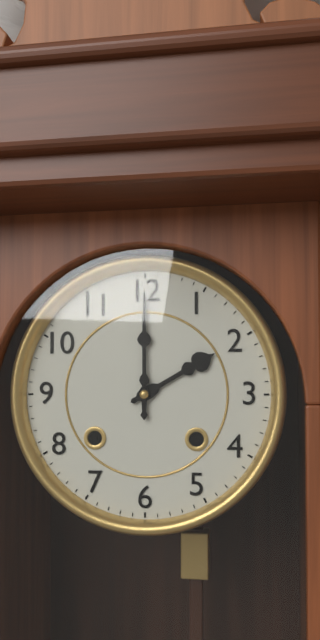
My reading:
2:00
